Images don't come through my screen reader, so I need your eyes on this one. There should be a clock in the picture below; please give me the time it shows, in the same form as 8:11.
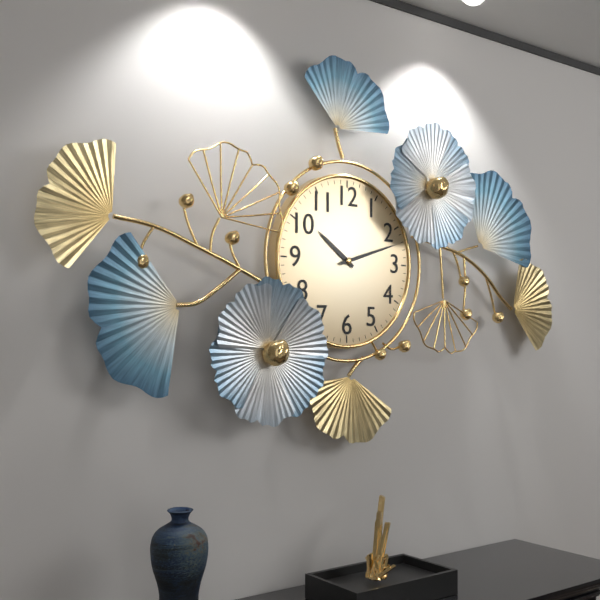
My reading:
10:12
